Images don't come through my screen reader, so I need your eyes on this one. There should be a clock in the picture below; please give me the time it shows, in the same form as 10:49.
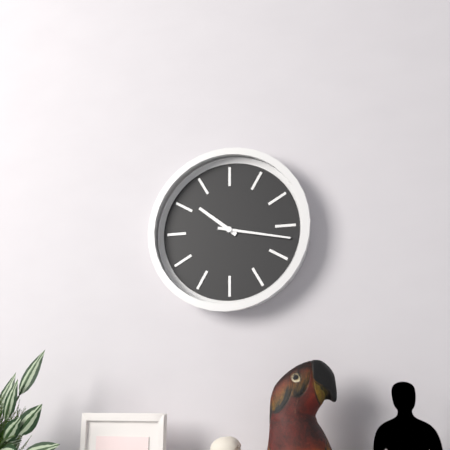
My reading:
10:17
